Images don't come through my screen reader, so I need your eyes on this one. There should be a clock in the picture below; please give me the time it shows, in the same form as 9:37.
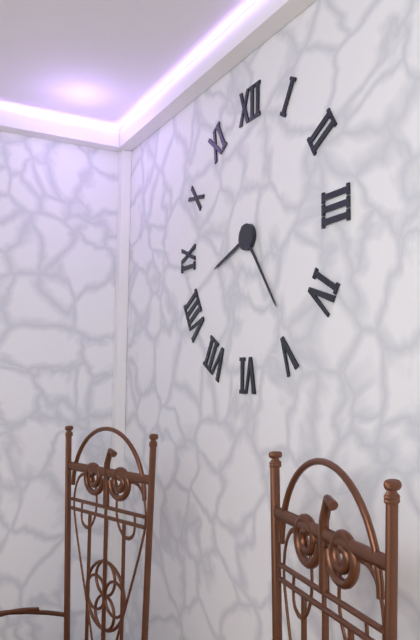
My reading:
8:24
